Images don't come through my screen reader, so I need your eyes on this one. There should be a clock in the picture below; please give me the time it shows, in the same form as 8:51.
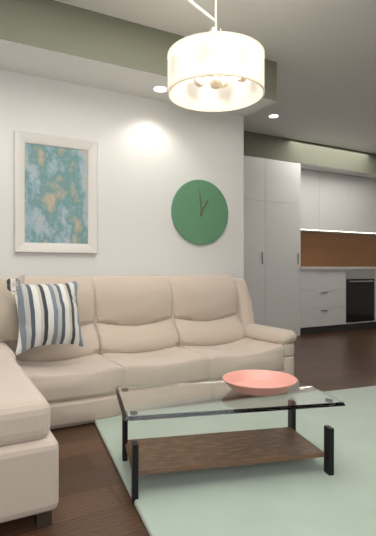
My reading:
12:59
